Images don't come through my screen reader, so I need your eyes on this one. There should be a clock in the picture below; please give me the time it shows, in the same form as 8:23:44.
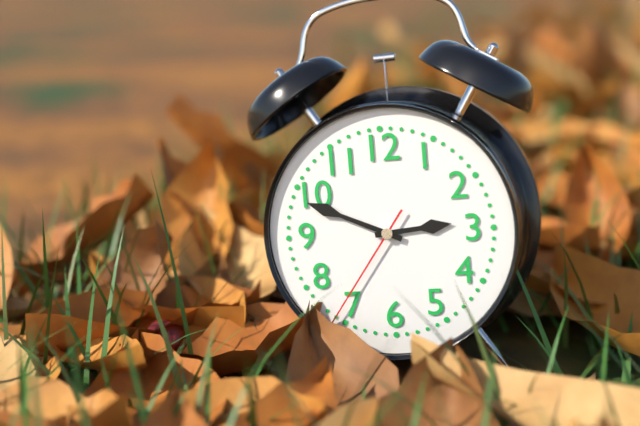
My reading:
2:49:36
